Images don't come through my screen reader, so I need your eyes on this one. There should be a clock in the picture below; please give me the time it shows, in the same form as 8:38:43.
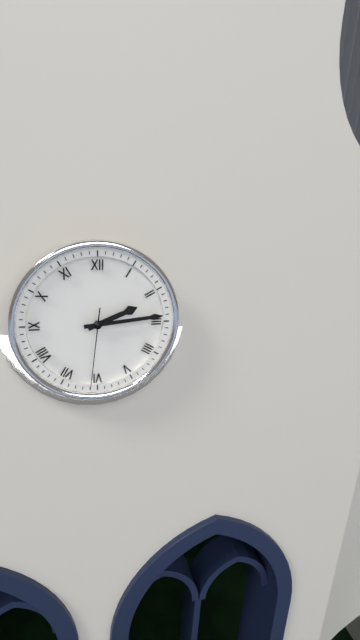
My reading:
2:14:31
